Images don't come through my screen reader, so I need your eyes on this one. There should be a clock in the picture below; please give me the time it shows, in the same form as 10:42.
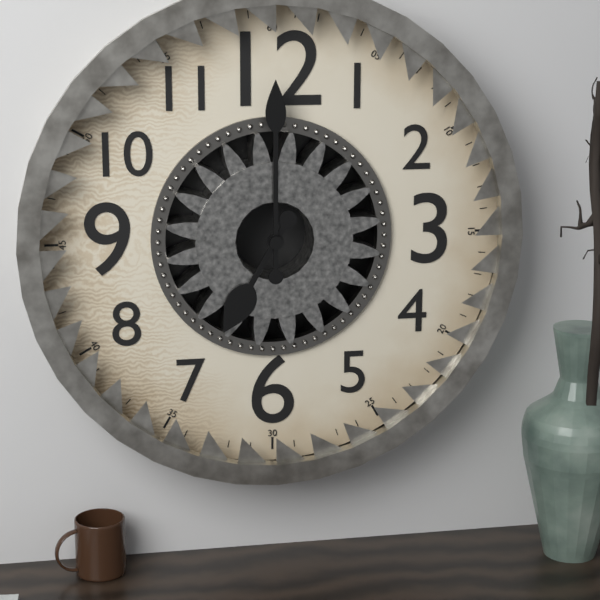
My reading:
7:00
